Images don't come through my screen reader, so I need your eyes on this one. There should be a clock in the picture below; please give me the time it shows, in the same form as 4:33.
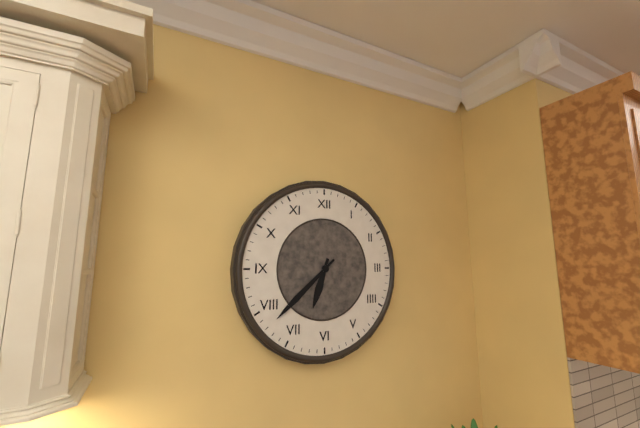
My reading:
6:38
